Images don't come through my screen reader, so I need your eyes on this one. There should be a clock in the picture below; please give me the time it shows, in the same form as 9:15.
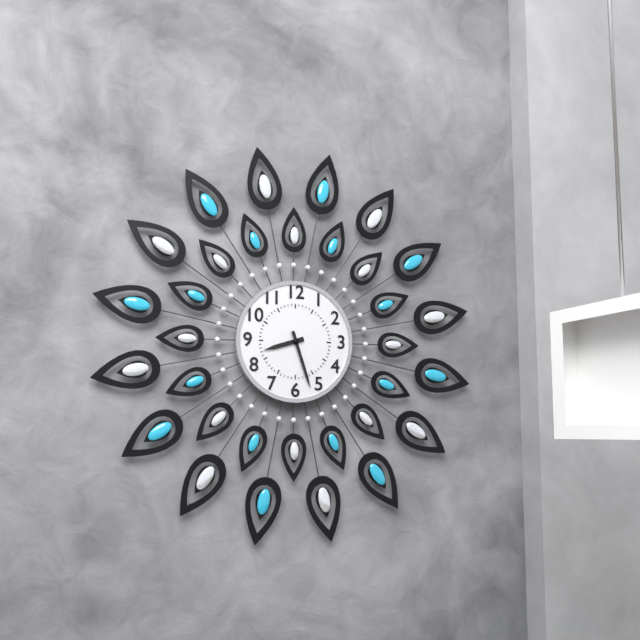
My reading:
8:27
